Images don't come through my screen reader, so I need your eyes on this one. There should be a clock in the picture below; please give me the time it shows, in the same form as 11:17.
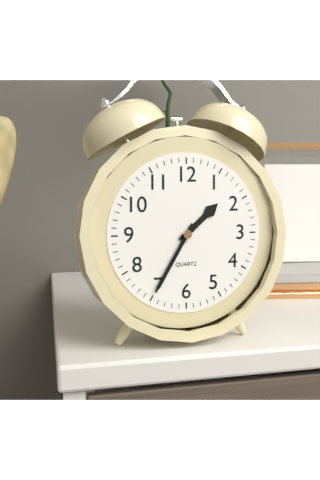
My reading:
1:35
